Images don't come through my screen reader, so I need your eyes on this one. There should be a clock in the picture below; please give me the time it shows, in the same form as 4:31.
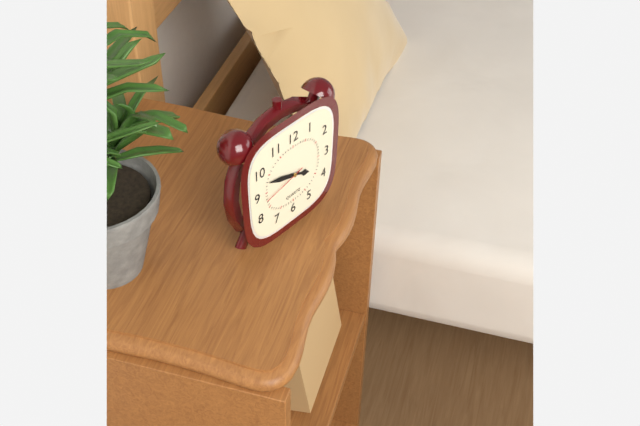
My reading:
3:48
